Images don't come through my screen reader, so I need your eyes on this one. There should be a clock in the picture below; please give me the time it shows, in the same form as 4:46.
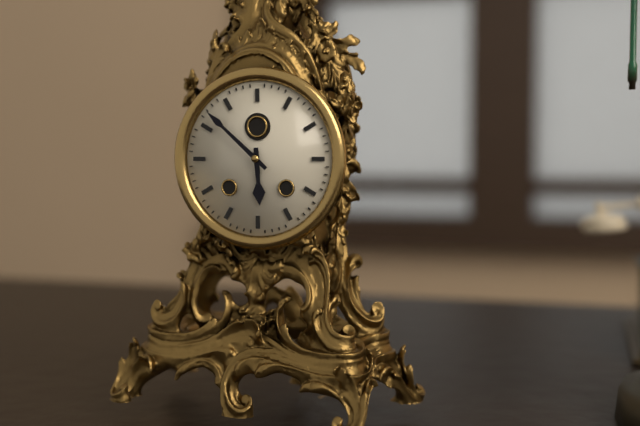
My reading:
5:52
